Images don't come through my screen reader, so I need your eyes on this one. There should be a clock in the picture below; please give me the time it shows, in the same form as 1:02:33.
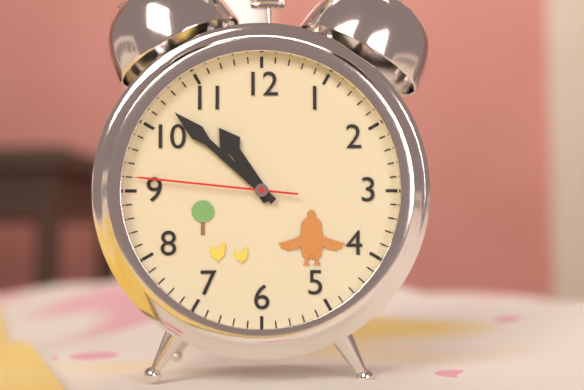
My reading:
10:52:46
